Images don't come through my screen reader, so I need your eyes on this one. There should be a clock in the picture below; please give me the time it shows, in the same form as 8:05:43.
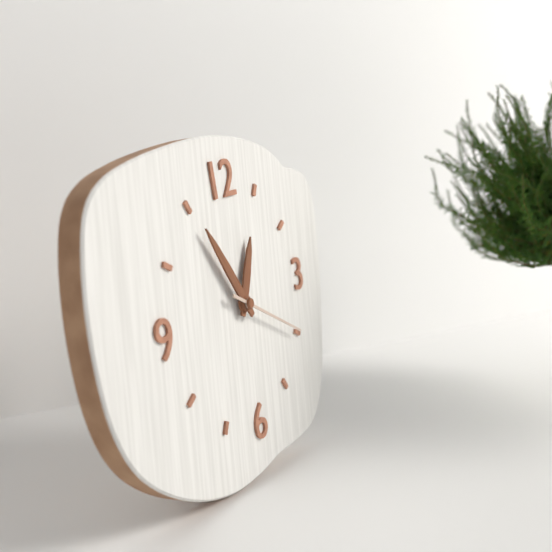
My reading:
12:55:20
